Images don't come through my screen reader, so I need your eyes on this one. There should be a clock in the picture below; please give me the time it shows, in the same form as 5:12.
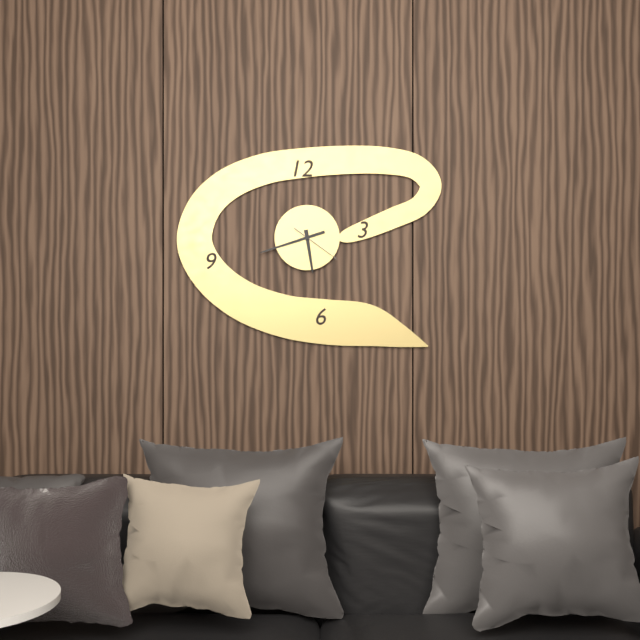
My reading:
5:42
